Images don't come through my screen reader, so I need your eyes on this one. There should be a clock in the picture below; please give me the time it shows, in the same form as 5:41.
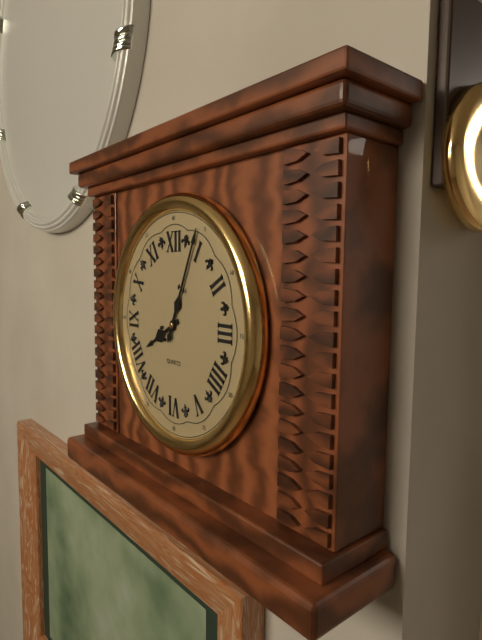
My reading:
8:04
